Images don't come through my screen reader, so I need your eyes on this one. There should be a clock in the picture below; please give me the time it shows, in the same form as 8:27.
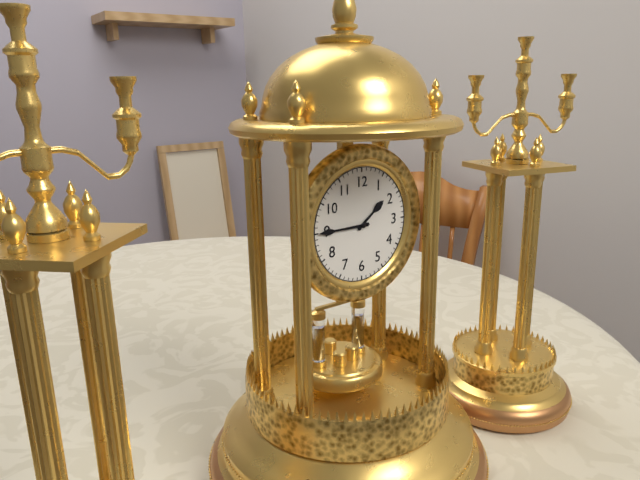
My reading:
1:45
